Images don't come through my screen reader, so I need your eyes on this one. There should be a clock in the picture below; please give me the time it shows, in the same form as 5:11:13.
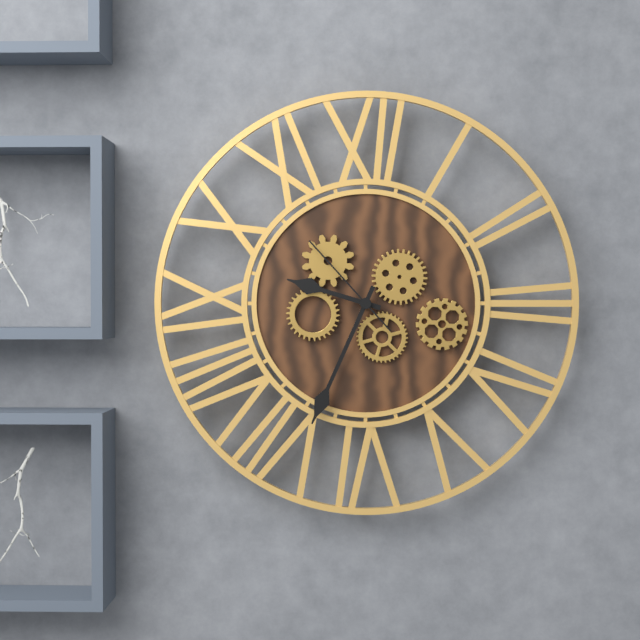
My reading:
9:34:53
